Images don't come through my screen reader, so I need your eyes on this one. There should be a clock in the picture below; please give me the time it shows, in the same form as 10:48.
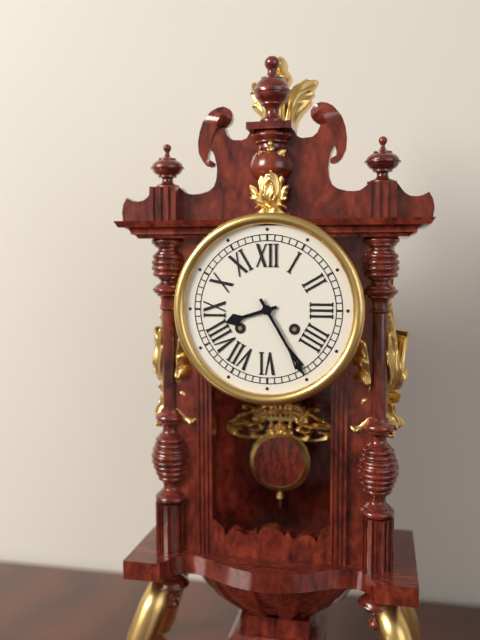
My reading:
8:25
